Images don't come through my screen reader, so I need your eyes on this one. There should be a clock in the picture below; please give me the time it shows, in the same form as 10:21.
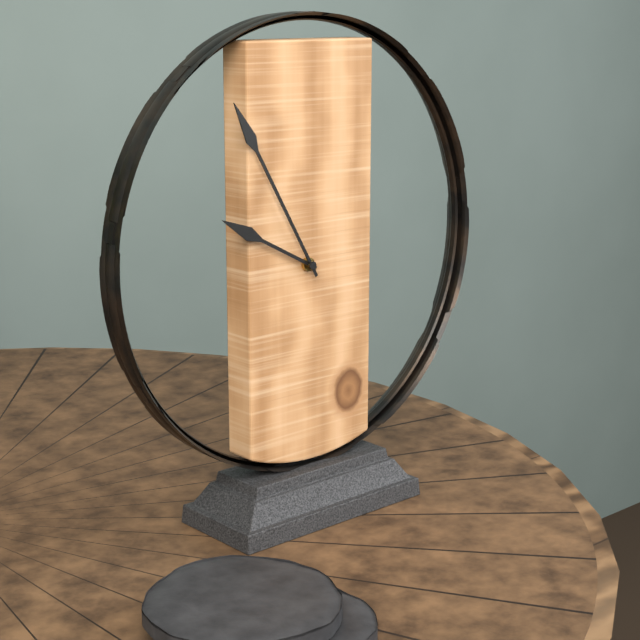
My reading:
9:55
